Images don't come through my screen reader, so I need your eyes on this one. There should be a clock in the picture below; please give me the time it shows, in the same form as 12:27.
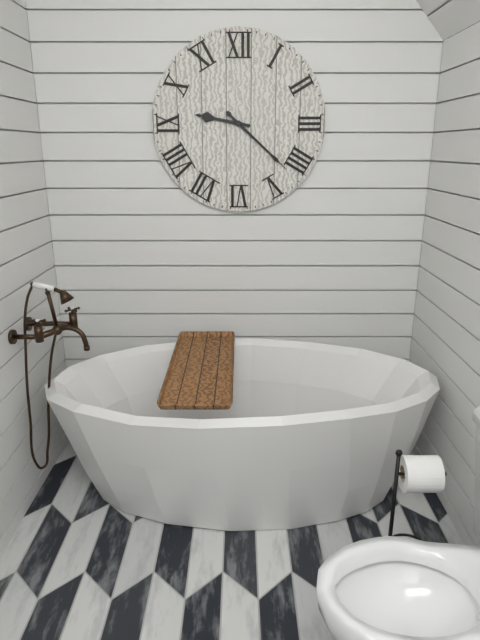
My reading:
9:22
